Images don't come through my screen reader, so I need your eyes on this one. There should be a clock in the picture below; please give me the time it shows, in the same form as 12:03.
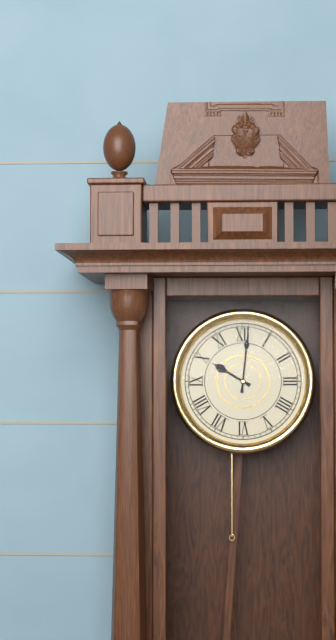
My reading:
10:01
